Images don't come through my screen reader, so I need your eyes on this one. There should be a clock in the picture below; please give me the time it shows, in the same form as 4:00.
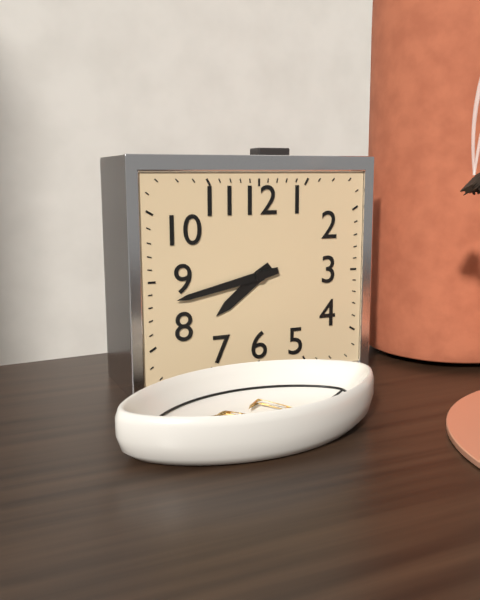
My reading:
7:43
